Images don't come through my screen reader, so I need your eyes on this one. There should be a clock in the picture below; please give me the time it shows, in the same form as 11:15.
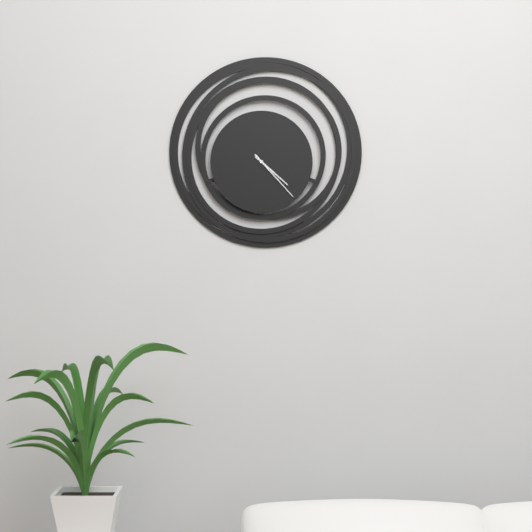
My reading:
4:23
